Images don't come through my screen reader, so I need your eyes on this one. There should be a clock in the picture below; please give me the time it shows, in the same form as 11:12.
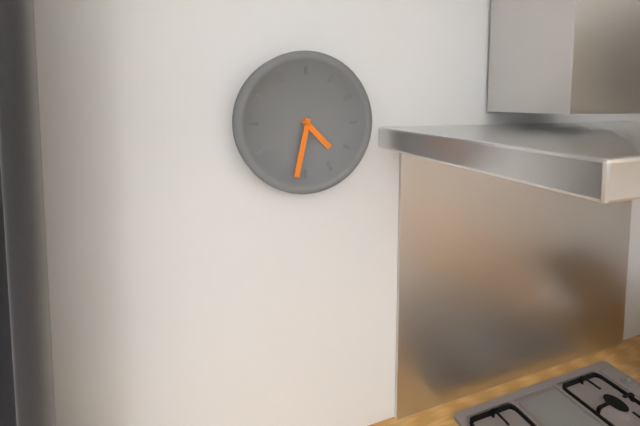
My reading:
4:32
